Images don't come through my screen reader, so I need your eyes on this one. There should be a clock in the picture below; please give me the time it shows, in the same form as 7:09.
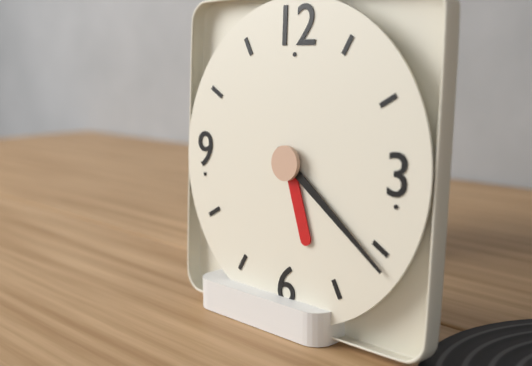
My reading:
5:21
